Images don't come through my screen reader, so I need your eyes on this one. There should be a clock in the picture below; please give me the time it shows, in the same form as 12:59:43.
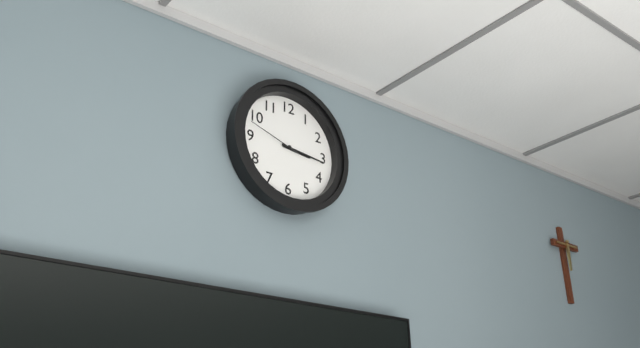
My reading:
3:16:48
